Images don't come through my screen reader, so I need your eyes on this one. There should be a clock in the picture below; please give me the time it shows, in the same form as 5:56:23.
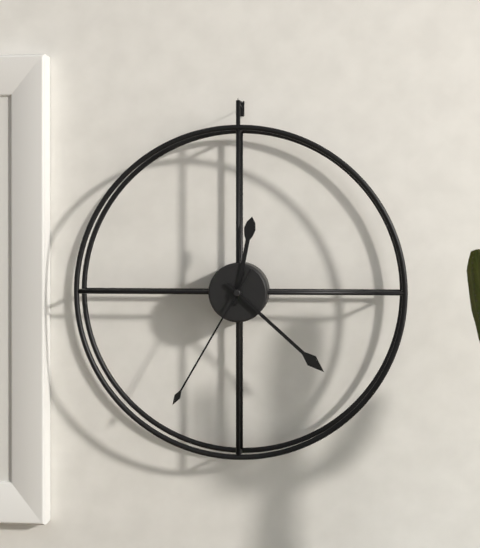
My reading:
12:22:35
